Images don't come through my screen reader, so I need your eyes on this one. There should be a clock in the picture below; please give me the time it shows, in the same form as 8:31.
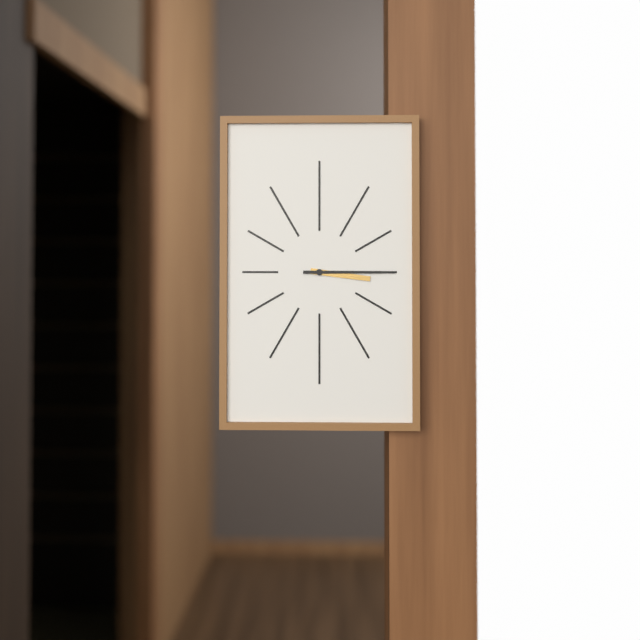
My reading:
3:15
